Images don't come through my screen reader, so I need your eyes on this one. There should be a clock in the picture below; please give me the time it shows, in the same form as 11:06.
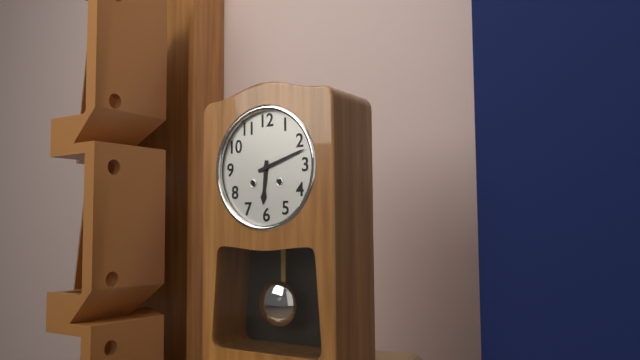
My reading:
6:12
